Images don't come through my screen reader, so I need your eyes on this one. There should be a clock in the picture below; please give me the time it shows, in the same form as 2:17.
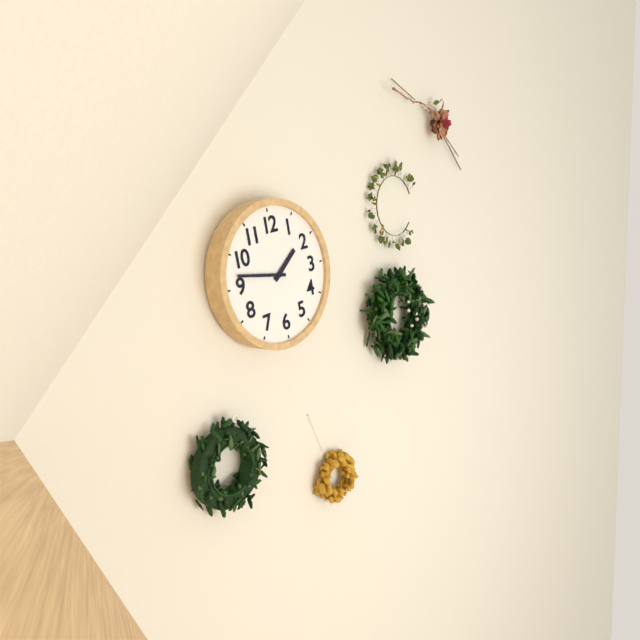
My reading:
1:47
